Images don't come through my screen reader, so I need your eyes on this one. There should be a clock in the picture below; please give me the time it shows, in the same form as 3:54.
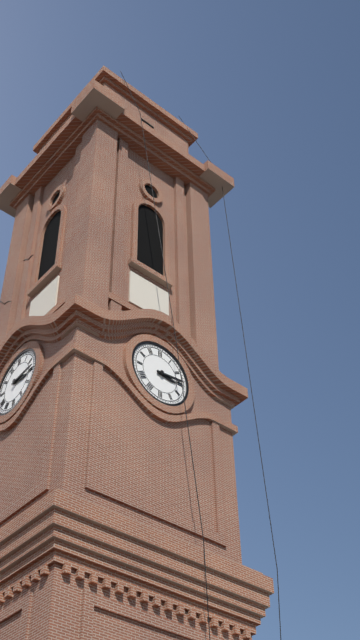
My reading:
3:14
